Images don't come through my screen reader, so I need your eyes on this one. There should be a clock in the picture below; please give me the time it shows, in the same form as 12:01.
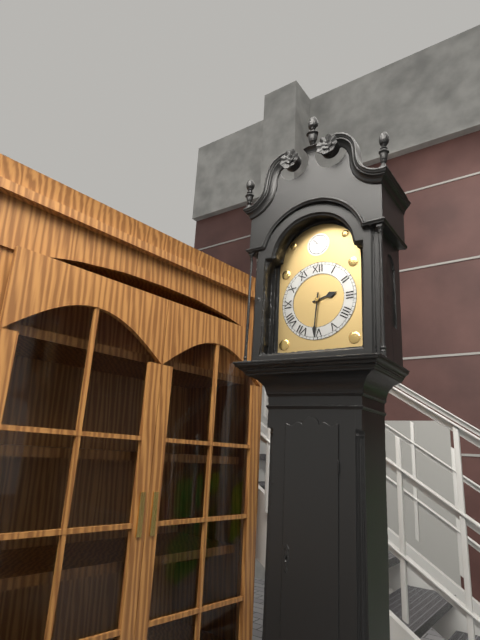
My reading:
2:31
